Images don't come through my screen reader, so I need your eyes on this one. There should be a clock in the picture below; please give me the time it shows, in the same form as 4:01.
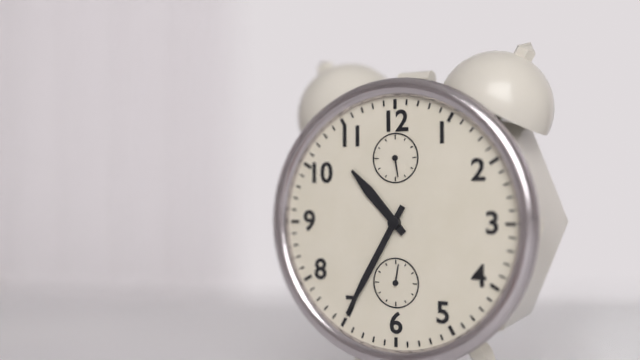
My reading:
10:35
